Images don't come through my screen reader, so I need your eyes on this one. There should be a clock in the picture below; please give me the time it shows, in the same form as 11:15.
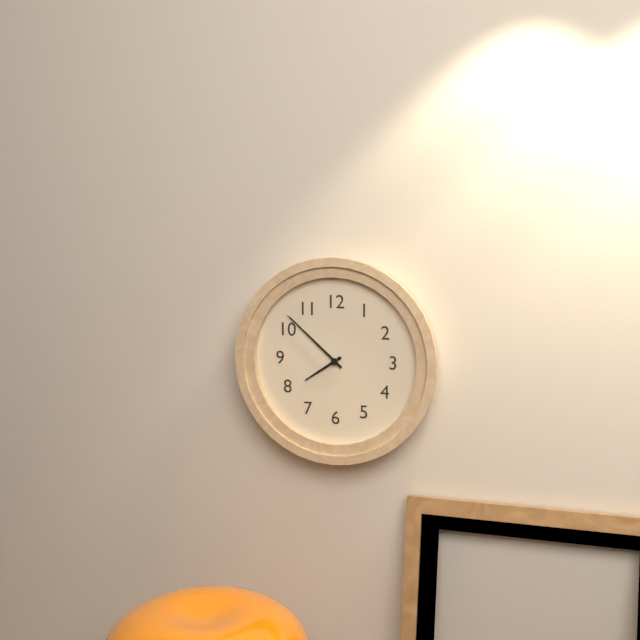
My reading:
7:52
